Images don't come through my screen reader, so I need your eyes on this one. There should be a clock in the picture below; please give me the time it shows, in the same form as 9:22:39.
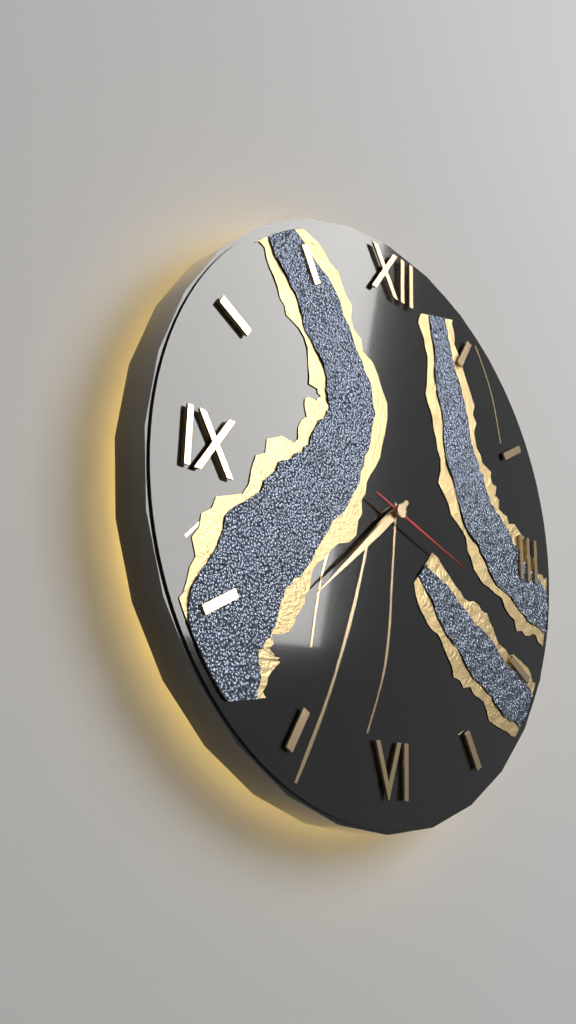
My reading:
7:38:18
